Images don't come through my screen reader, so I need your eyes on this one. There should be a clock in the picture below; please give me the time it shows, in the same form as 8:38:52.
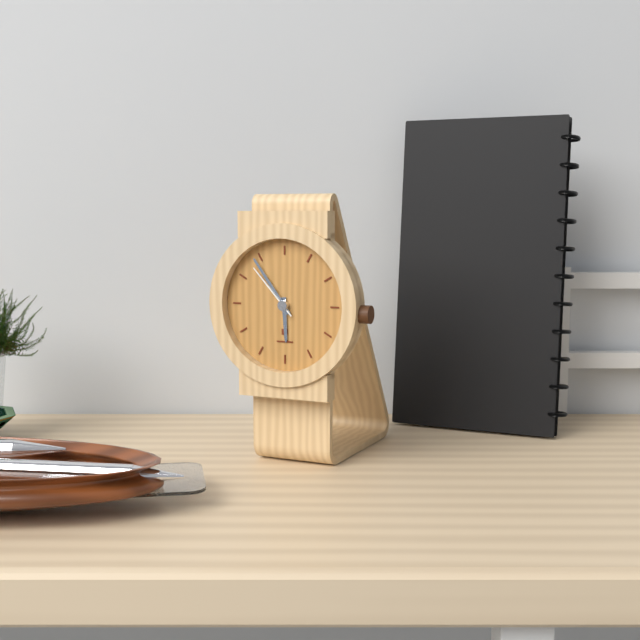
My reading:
5:54:53
